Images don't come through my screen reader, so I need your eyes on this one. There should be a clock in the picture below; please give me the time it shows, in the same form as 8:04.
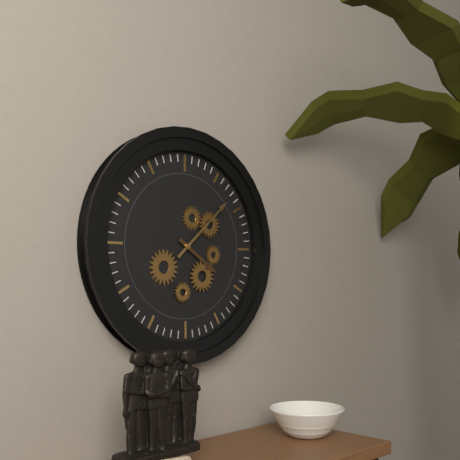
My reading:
4:08
